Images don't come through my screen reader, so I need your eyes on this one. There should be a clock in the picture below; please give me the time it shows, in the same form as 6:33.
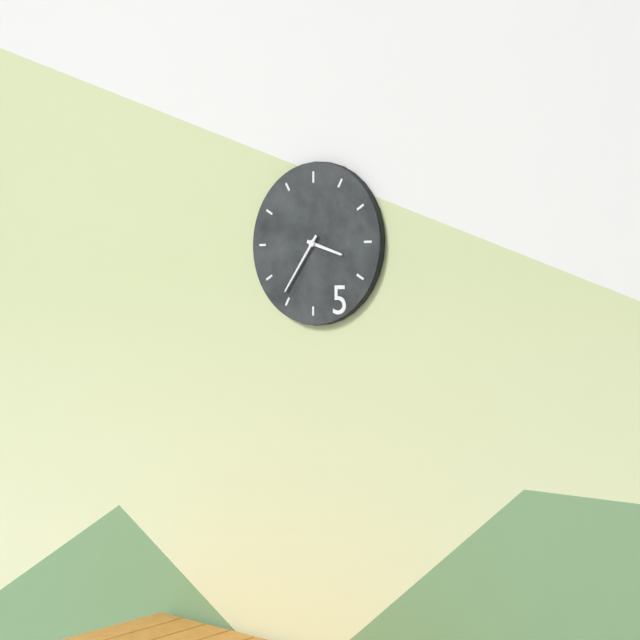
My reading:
3:36
